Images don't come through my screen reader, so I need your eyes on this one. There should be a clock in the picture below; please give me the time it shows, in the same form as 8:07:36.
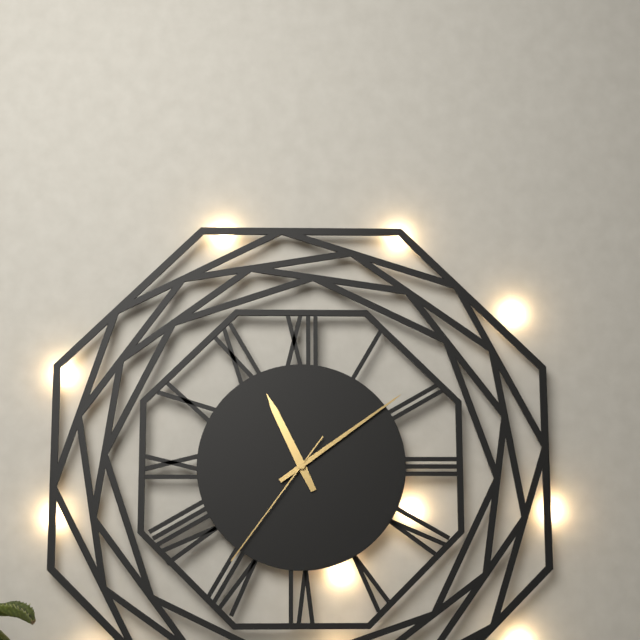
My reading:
11:09:36
